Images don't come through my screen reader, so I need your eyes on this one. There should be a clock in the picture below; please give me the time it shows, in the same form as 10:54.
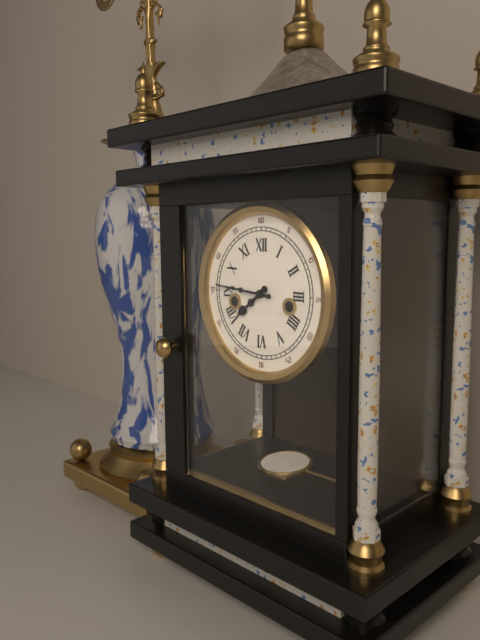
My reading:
7:46
